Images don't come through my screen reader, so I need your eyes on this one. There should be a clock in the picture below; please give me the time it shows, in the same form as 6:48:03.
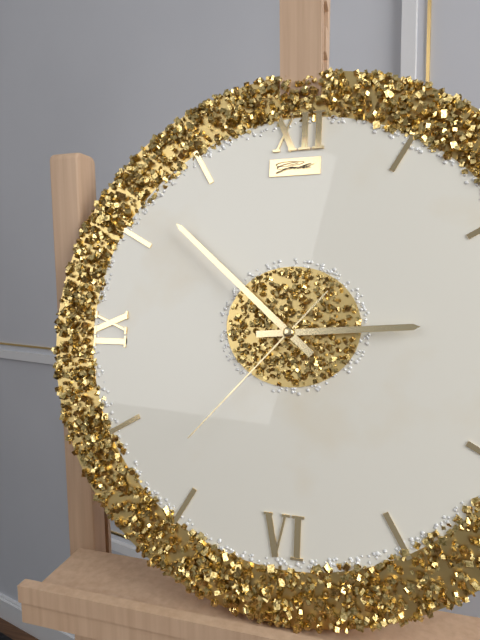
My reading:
2:52:37
